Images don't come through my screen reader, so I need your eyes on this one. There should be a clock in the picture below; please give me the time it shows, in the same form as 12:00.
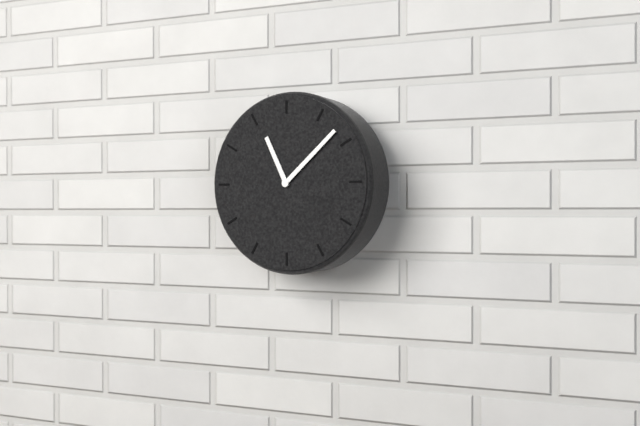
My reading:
11:08
